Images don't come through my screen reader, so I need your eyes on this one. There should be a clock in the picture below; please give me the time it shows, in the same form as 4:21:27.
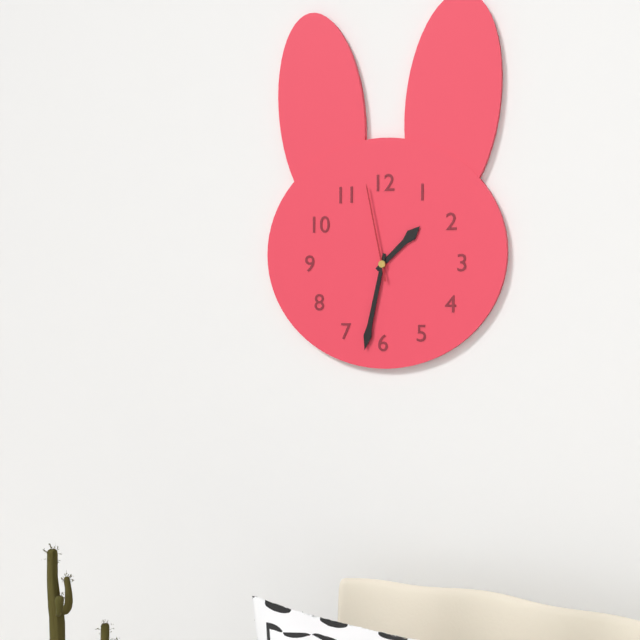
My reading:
1:32:58
